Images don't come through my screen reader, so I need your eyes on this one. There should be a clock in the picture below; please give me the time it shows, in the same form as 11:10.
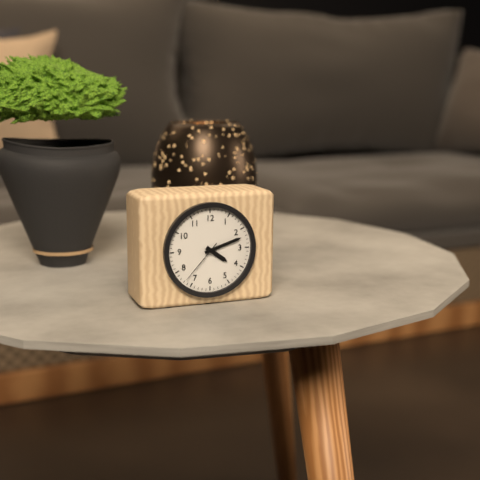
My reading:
4:12
